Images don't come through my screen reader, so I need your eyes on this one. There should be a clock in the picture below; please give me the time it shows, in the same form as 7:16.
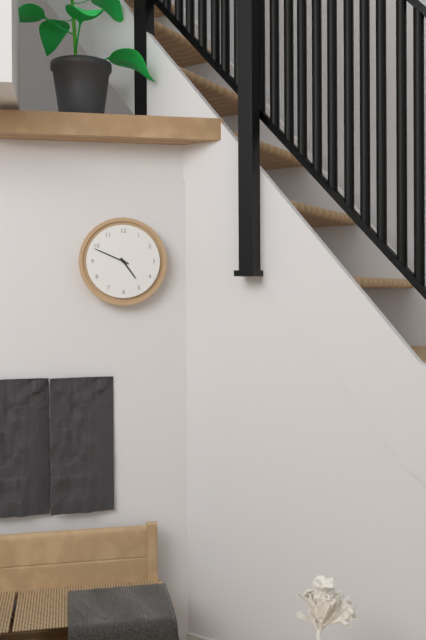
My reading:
4:49
